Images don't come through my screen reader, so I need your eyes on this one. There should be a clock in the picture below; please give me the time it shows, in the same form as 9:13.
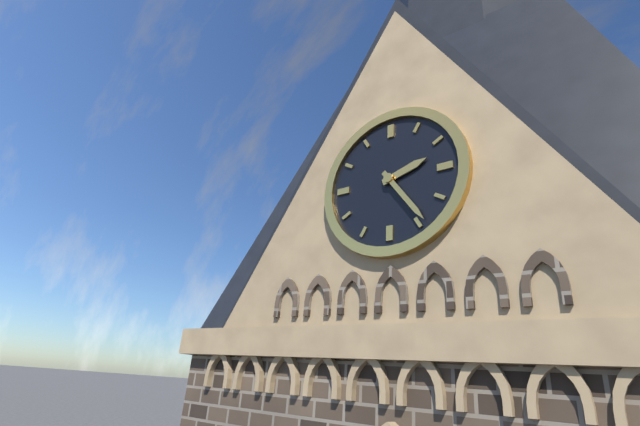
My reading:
2:24
